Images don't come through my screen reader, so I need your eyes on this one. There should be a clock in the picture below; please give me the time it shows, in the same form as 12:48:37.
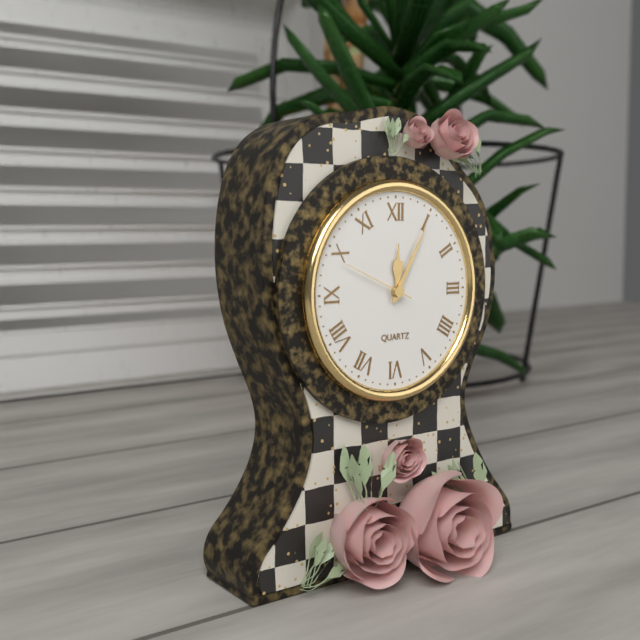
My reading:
12:05:49
